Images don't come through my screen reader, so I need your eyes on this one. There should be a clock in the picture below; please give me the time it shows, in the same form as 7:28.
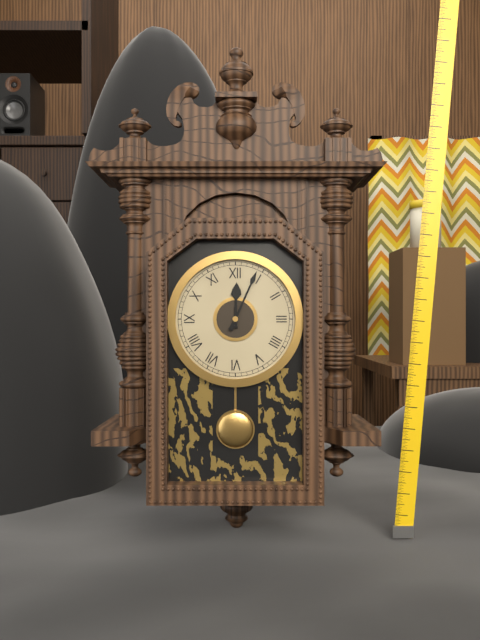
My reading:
12:04
